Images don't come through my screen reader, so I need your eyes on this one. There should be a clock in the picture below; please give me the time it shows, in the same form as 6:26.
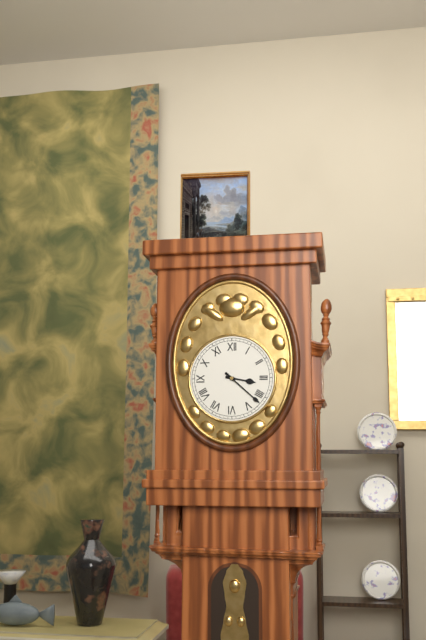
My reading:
3:22
